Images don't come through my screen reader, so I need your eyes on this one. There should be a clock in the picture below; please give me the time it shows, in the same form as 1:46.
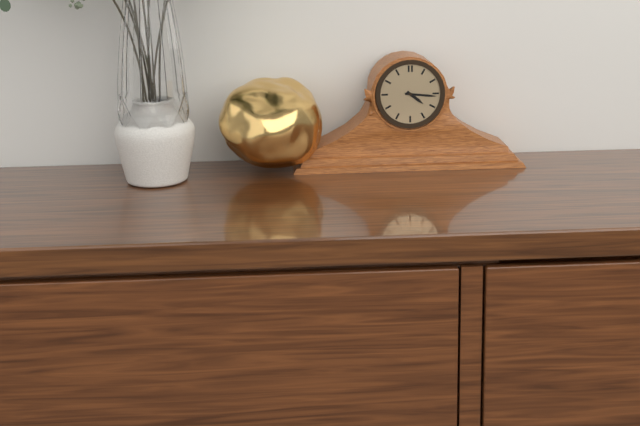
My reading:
4:16
